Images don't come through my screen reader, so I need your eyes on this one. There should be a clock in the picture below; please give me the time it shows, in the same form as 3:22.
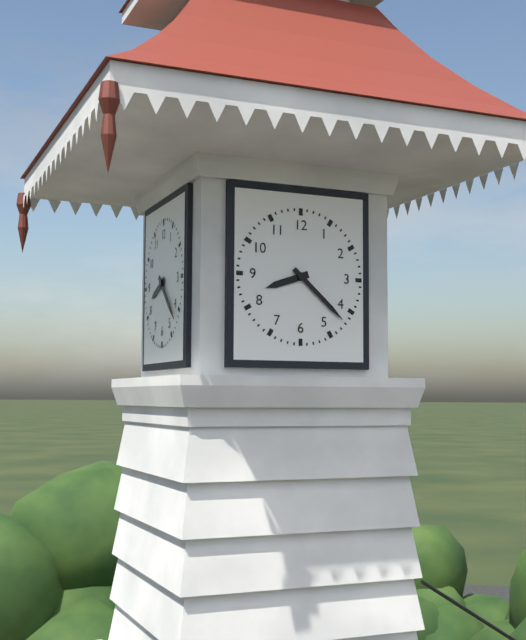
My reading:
8:22
